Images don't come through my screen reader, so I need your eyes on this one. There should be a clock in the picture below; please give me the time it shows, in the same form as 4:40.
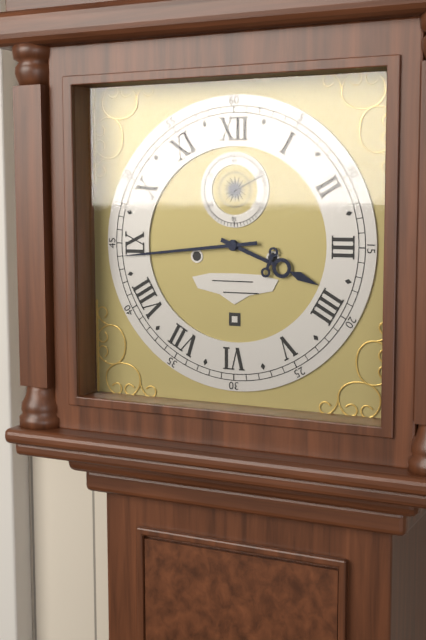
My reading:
3:44
